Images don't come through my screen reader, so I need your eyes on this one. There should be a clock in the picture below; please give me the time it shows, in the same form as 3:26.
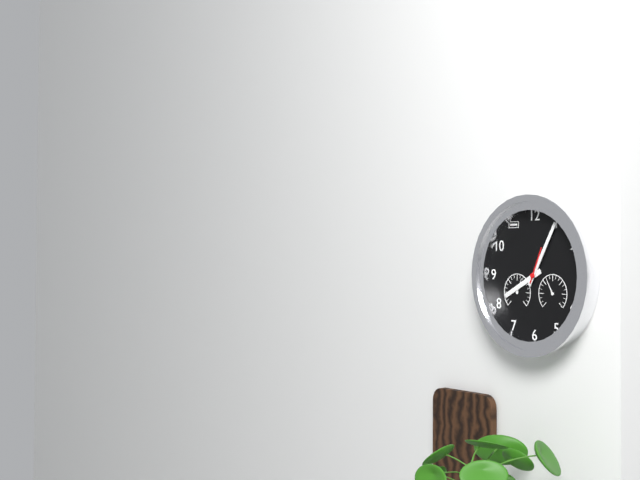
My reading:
8:05
